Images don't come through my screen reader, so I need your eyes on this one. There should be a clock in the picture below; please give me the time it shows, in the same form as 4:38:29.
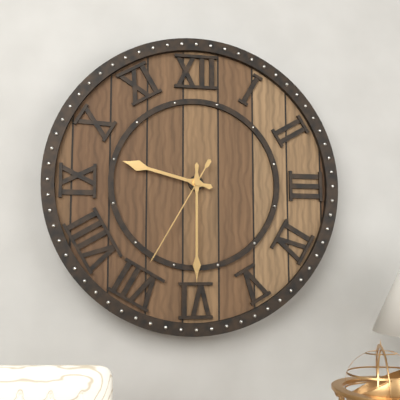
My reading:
9:30:35
